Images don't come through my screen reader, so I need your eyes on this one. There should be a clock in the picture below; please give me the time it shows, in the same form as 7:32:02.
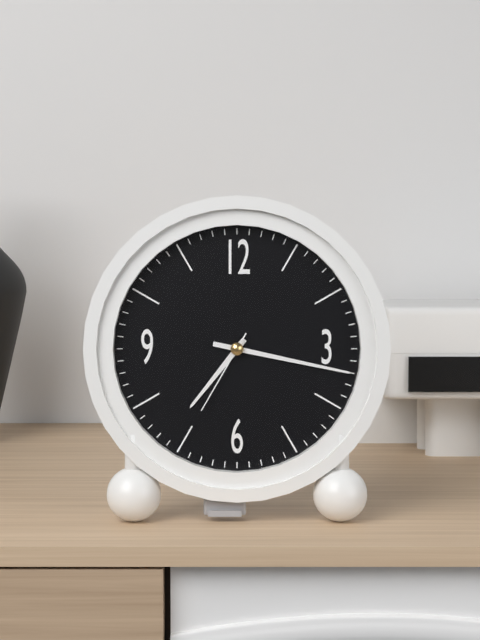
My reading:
7:17:35
